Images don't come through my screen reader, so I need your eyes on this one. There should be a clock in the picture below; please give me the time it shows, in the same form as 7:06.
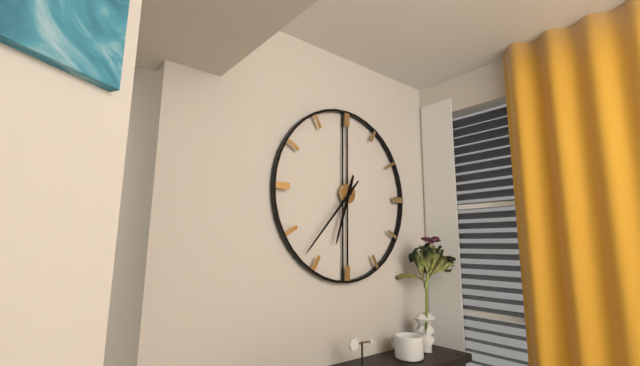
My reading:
6:37
